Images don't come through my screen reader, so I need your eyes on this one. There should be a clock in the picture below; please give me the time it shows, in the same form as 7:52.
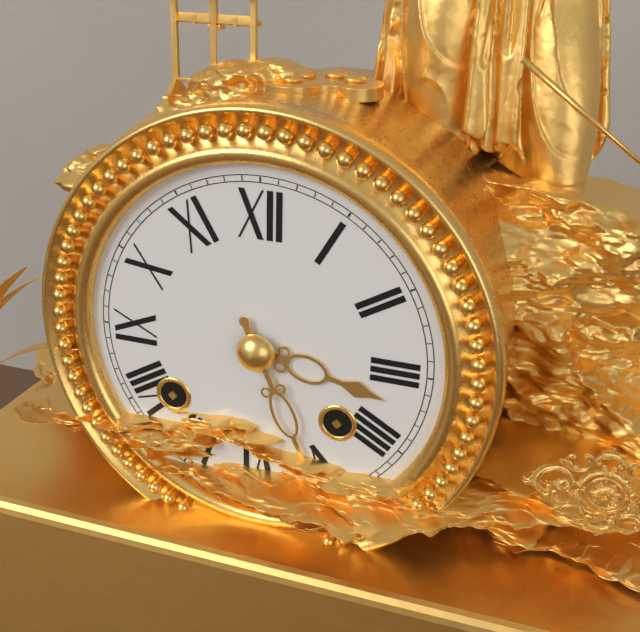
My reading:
3:26
